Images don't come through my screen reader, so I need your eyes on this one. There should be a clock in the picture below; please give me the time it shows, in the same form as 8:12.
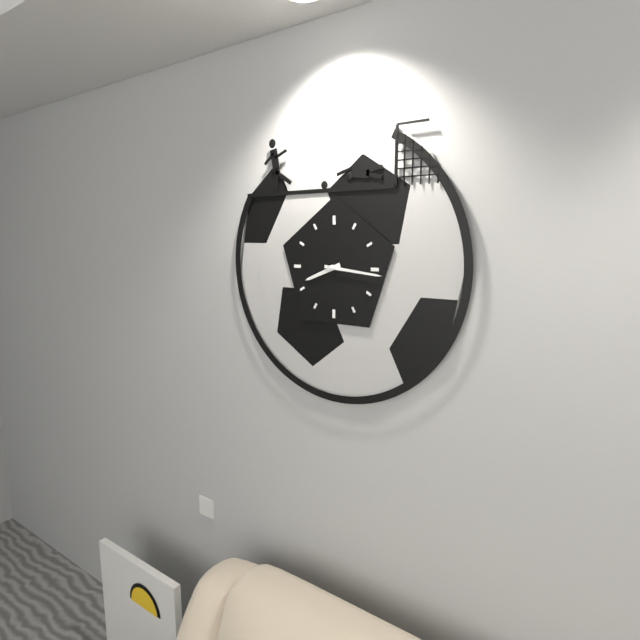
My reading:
8:16
